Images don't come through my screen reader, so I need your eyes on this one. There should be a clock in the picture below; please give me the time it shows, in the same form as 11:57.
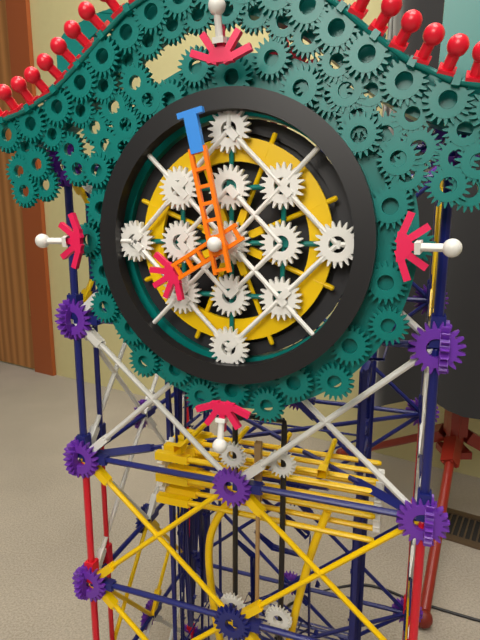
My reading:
7:58
